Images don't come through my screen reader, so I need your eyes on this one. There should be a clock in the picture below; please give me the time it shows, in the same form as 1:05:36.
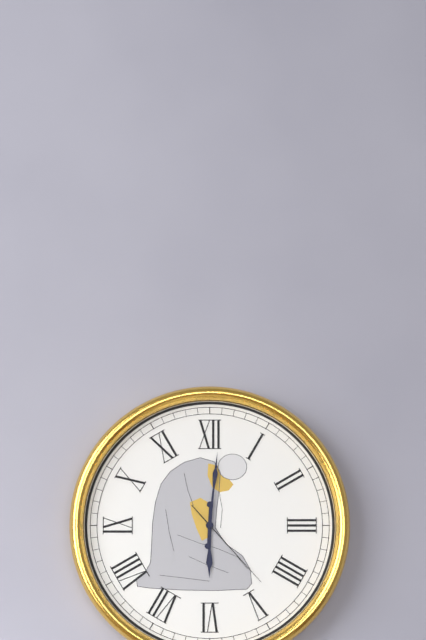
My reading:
6:01:23
